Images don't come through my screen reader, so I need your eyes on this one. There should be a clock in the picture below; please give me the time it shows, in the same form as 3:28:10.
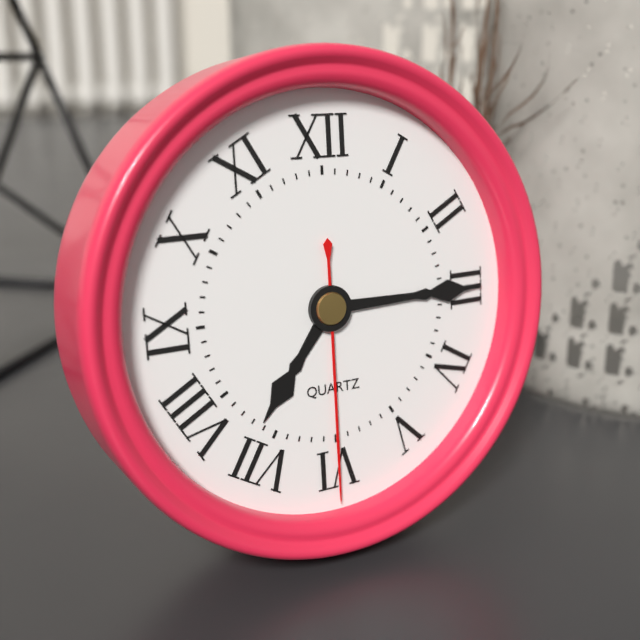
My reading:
7:15:30
